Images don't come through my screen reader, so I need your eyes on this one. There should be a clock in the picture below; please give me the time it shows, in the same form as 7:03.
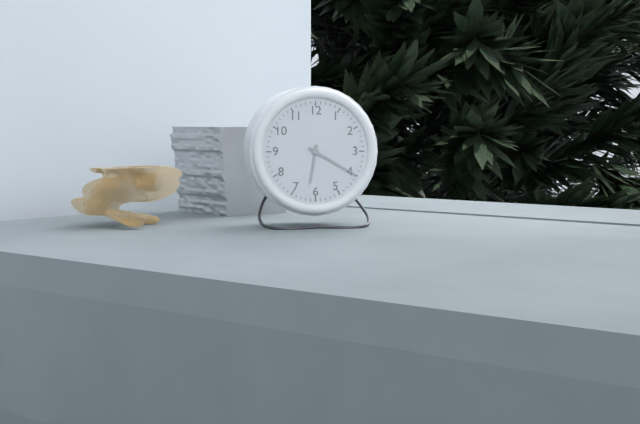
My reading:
6:20
